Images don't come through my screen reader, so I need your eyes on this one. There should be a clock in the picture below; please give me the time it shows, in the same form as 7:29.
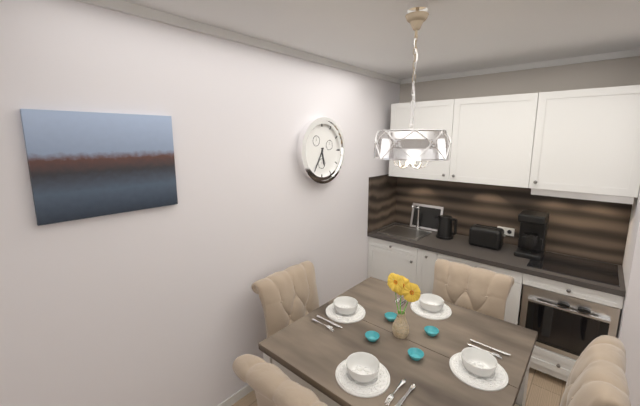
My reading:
5:35
